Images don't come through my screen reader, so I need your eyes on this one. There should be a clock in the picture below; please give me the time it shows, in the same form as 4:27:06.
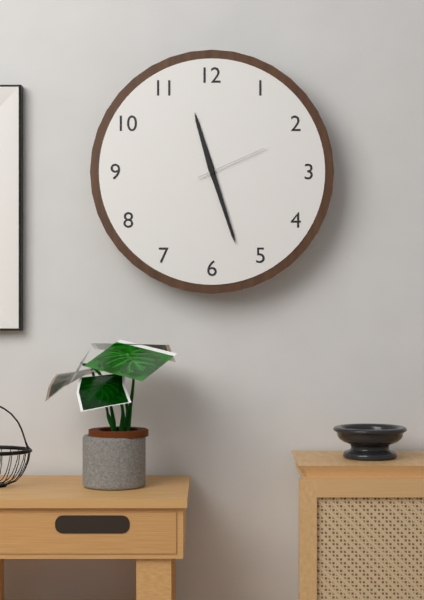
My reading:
11:27:11
